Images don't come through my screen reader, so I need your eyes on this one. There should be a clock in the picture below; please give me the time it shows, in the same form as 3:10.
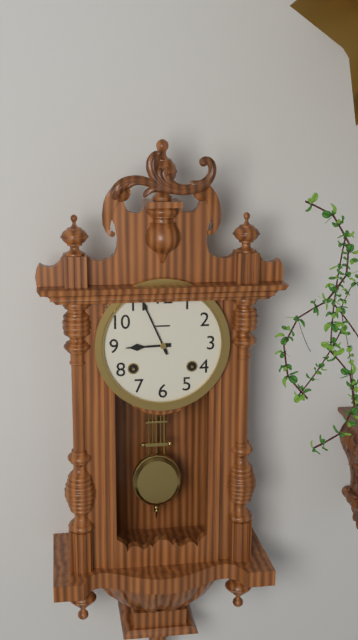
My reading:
8:56
